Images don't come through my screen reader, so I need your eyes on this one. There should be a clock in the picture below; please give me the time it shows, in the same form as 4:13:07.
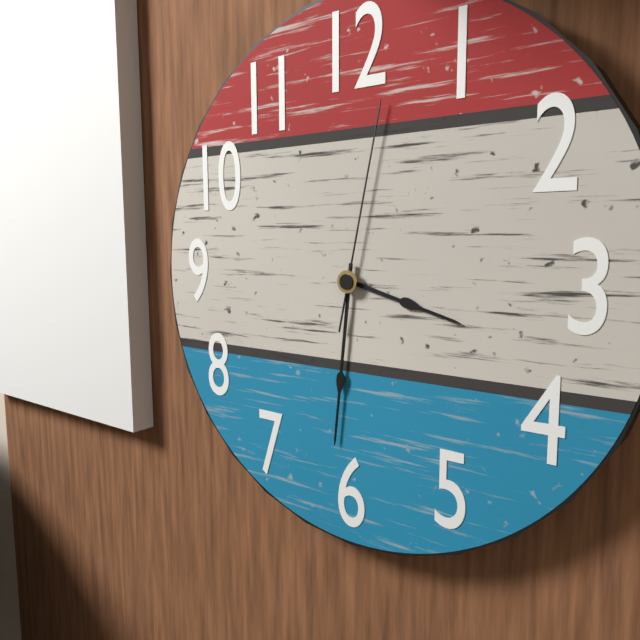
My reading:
3:31:02
